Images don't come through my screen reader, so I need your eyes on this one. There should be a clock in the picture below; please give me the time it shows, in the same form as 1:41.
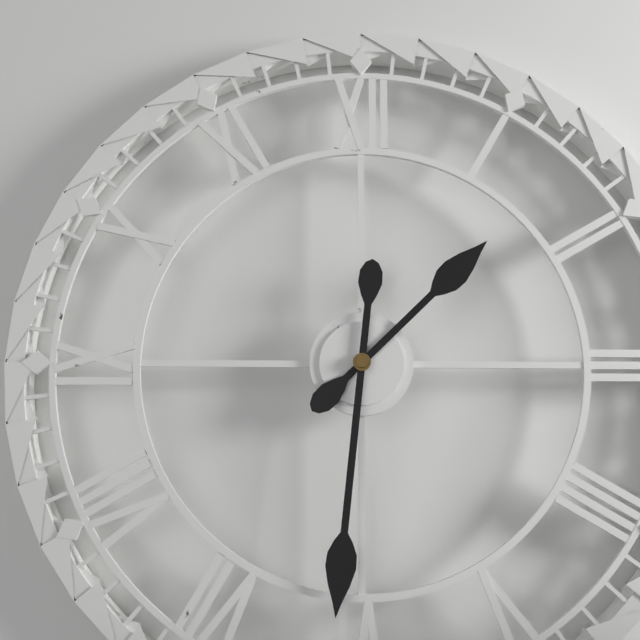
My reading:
1:31
